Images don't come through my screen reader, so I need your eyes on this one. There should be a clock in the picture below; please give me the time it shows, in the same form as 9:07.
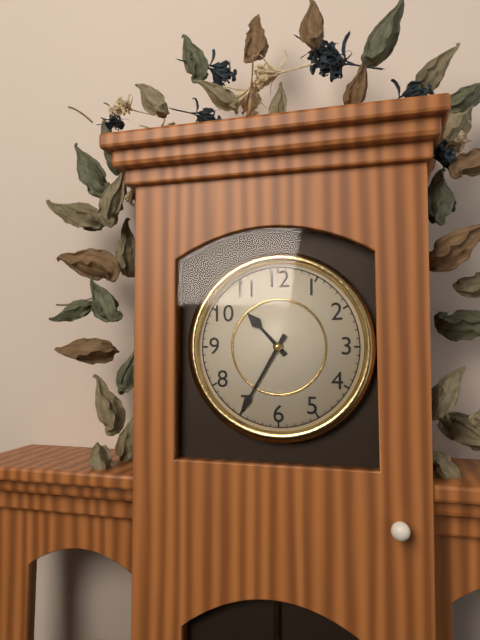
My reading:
10:35
